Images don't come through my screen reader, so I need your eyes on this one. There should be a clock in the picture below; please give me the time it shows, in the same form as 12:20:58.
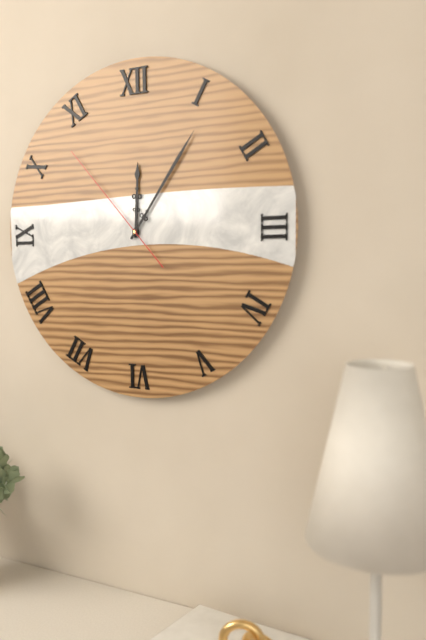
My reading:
12:06:53
